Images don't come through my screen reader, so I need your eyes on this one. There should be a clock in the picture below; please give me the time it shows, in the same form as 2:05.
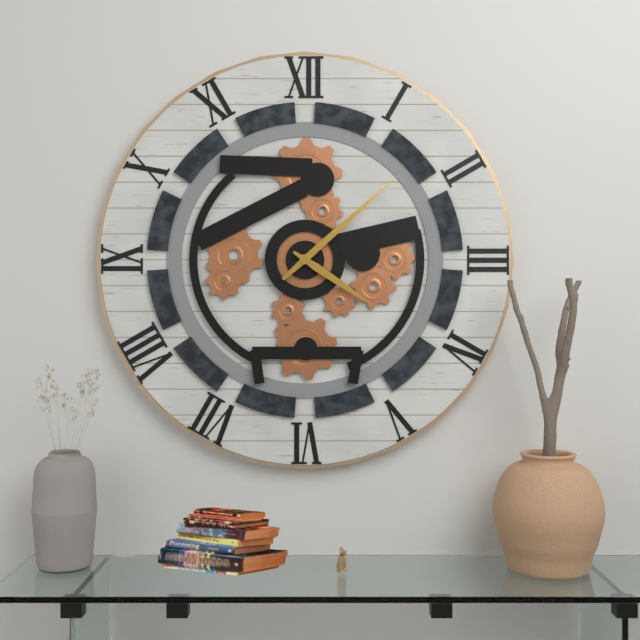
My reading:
4:08
